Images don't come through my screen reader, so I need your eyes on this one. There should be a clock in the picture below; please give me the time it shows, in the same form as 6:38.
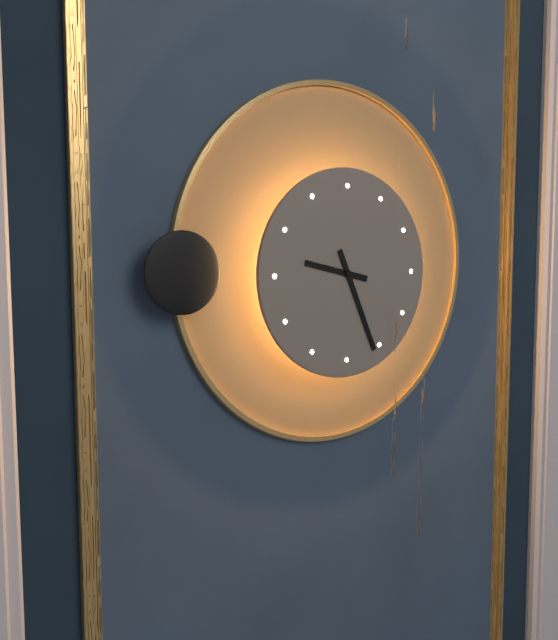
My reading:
9:26
